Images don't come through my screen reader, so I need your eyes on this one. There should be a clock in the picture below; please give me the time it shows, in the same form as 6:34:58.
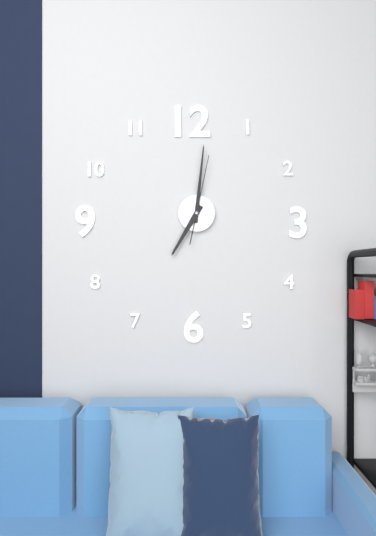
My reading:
7:01:02
